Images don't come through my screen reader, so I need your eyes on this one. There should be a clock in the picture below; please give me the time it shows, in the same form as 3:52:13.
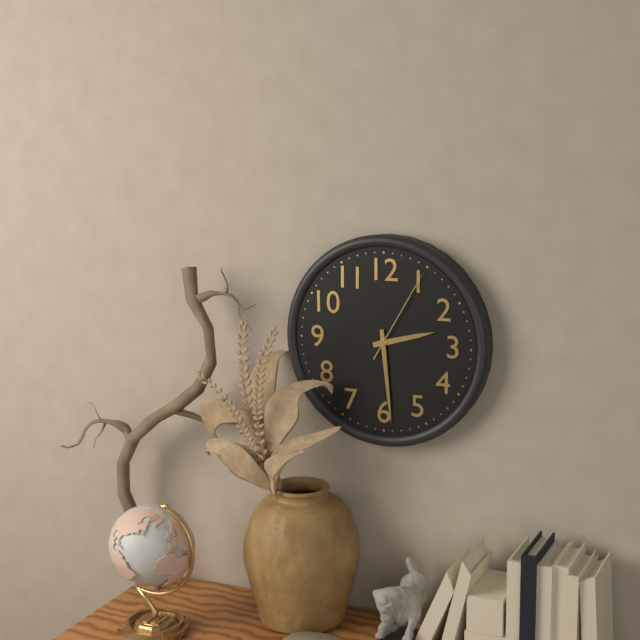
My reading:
2:29:05
